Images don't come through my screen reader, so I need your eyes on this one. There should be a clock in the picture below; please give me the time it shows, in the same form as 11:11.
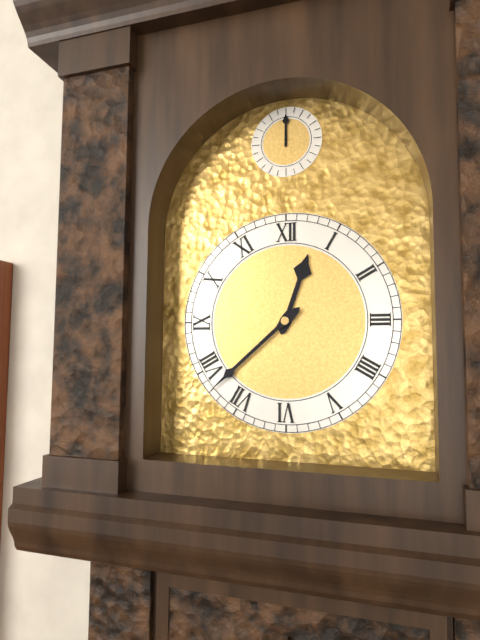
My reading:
12:38
